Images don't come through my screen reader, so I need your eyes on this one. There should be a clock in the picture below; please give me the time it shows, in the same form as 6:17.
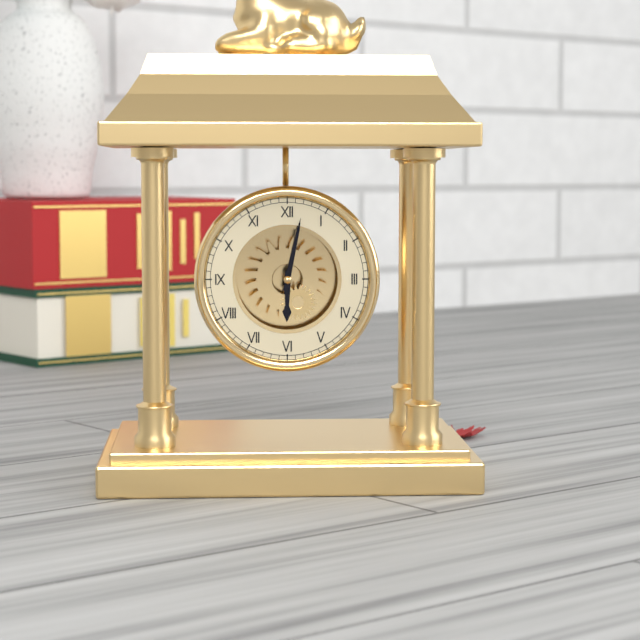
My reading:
6:02
